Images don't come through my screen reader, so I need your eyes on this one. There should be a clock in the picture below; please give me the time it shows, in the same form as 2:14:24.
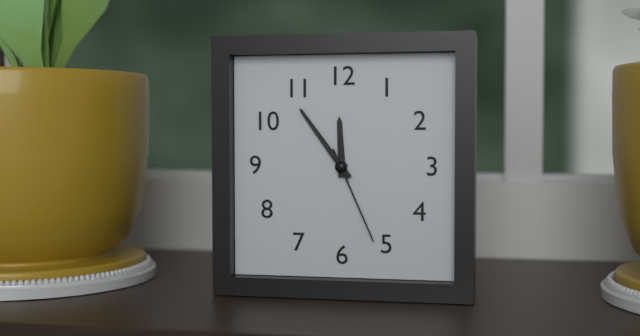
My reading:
11:54:26
